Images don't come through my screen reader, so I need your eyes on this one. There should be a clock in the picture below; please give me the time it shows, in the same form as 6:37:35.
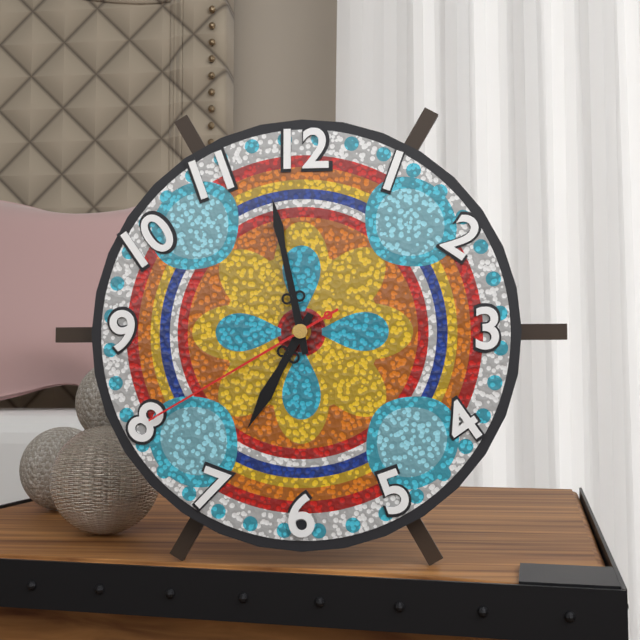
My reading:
6:58:40
